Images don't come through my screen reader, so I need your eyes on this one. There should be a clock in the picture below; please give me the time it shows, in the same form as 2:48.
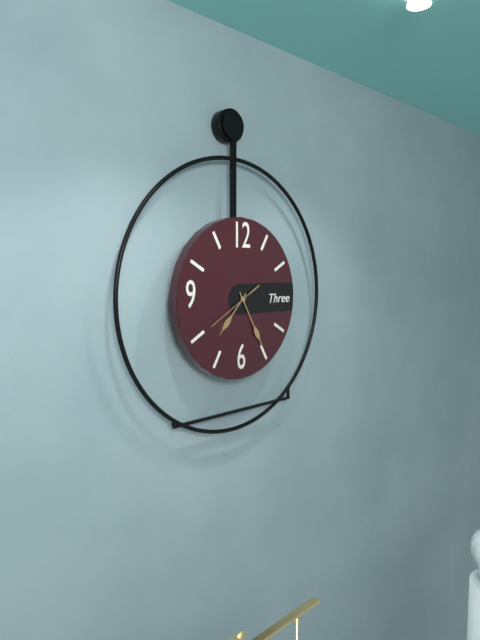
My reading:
7:25
